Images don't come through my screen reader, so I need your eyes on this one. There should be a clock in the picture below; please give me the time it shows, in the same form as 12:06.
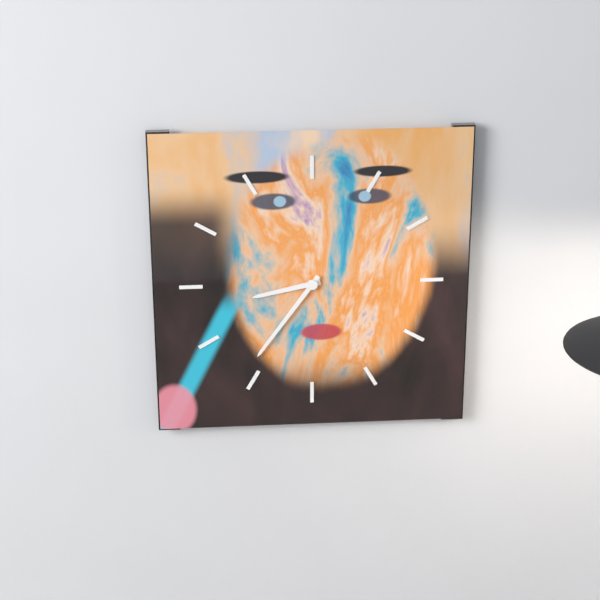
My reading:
8:36
